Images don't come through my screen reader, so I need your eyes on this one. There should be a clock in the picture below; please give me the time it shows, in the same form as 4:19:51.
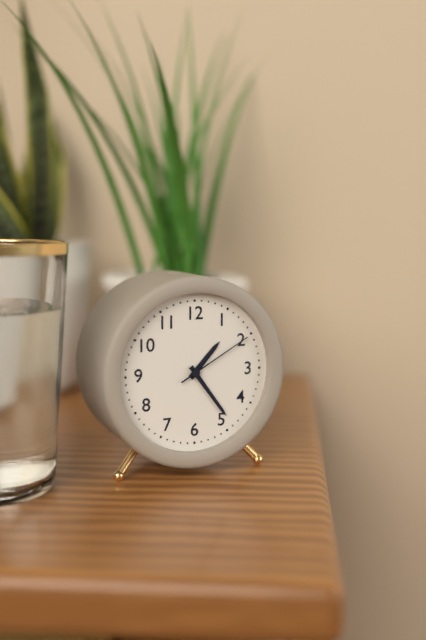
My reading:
1:24:10
